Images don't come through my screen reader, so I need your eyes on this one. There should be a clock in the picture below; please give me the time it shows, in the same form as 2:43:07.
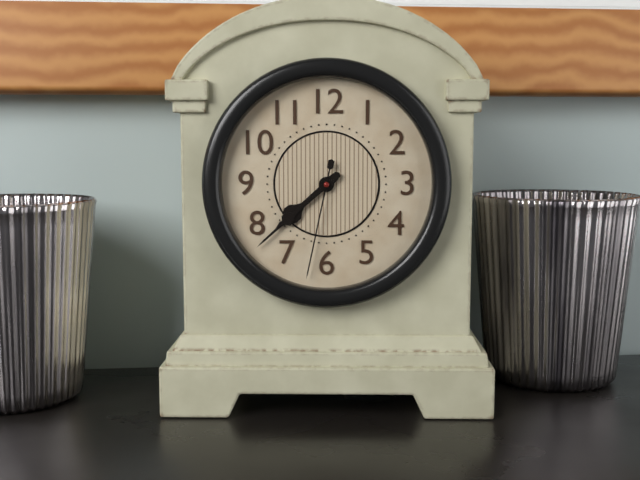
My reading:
7:38:32
